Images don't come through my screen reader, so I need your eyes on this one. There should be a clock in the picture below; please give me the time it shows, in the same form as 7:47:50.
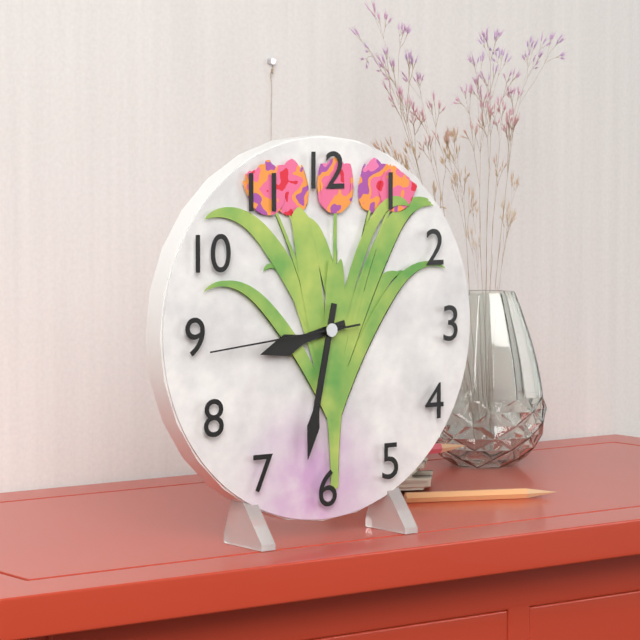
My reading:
8:32:44
